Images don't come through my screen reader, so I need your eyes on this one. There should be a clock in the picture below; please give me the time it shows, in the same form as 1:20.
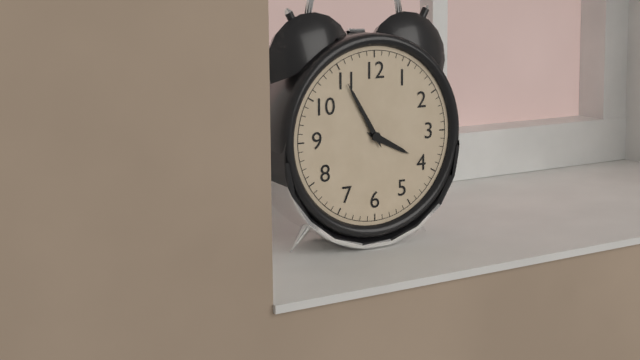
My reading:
3:55
